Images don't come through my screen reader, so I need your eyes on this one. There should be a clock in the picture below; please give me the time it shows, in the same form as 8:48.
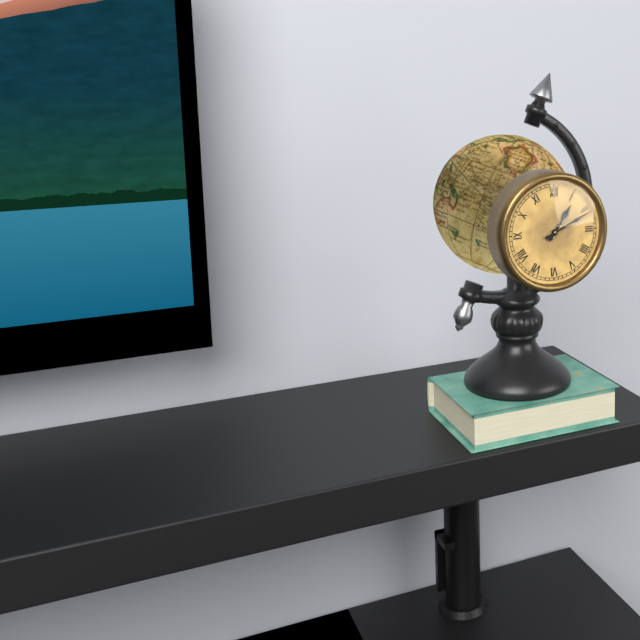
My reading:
1:11
